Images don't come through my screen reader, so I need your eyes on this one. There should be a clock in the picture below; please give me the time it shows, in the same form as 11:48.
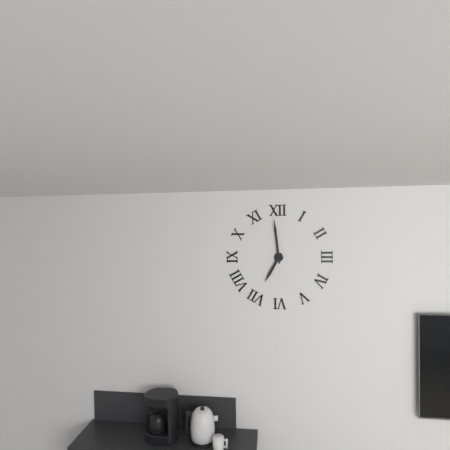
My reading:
6:59
